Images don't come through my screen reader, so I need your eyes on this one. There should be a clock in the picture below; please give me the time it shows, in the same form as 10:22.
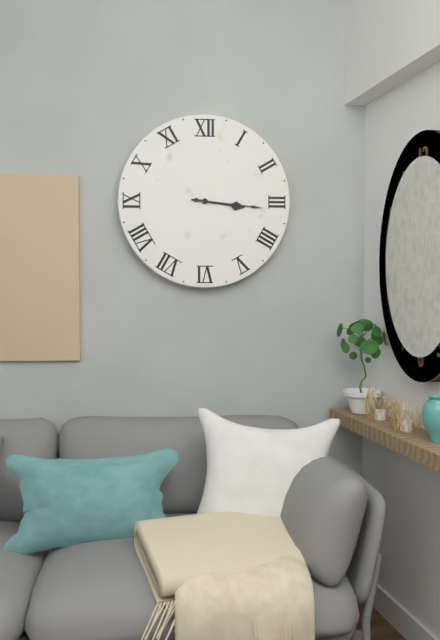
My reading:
3:16
